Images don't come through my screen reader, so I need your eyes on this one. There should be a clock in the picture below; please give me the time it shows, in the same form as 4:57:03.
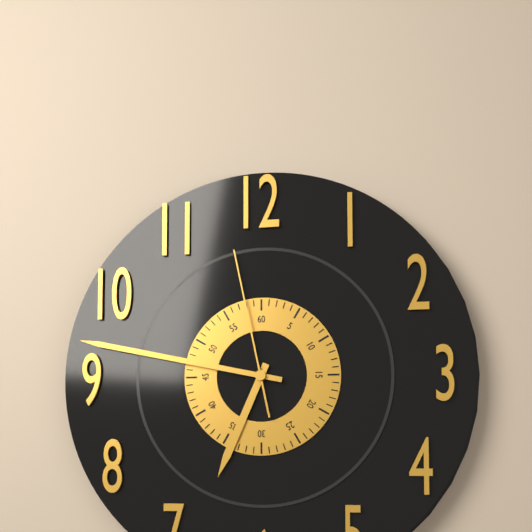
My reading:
6:47:58
